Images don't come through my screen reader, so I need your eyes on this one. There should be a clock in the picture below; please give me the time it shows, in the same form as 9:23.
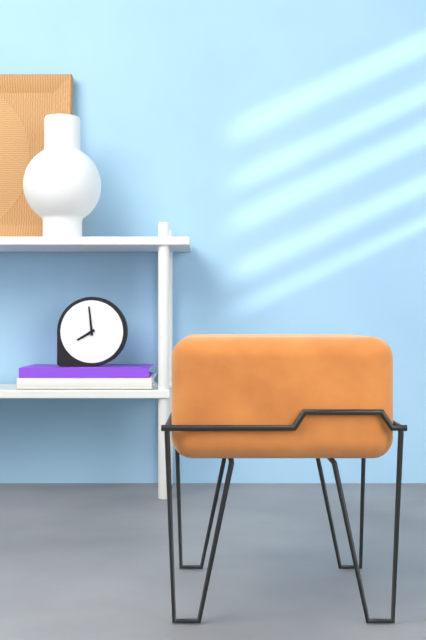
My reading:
7:59
